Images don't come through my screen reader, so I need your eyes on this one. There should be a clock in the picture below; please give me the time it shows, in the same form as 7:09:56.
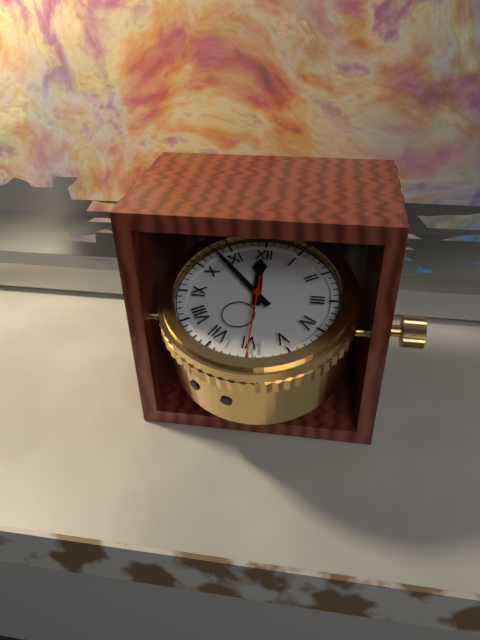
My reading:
11:53:30
